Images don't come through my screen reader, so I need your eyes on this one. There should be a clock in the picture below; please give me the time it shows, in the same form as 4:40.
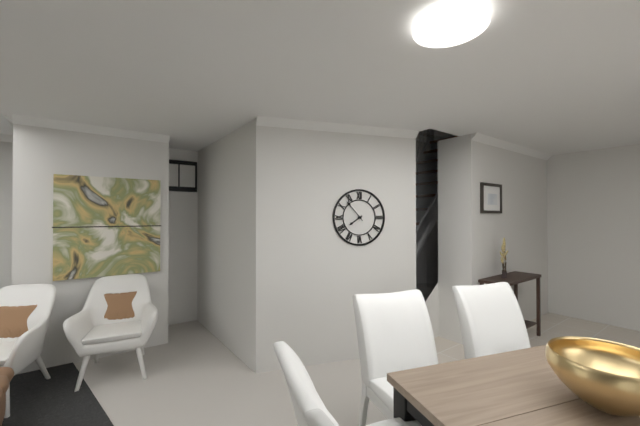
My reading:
7:53
